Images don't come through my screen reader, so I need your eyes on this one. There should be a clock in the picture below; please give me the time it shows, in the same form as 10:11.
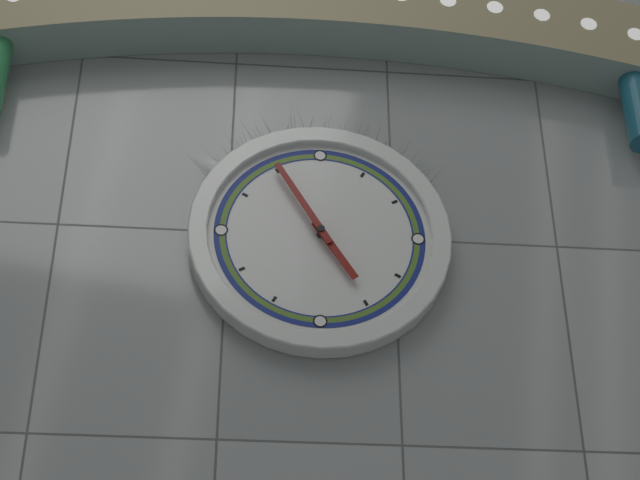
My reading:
4:55
